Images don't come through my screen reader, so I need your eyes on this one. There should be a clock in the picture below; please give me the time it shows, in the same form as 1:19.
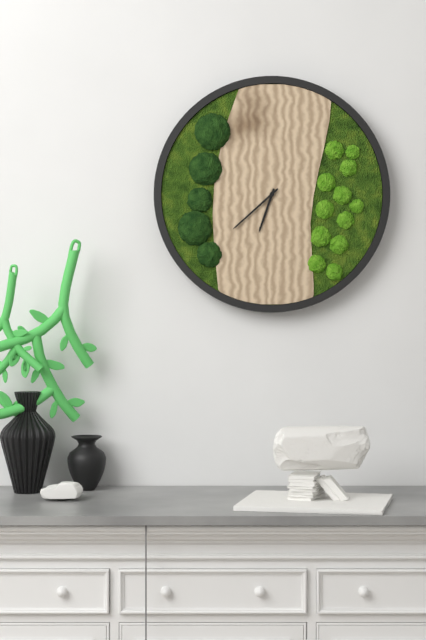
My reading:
6:38
